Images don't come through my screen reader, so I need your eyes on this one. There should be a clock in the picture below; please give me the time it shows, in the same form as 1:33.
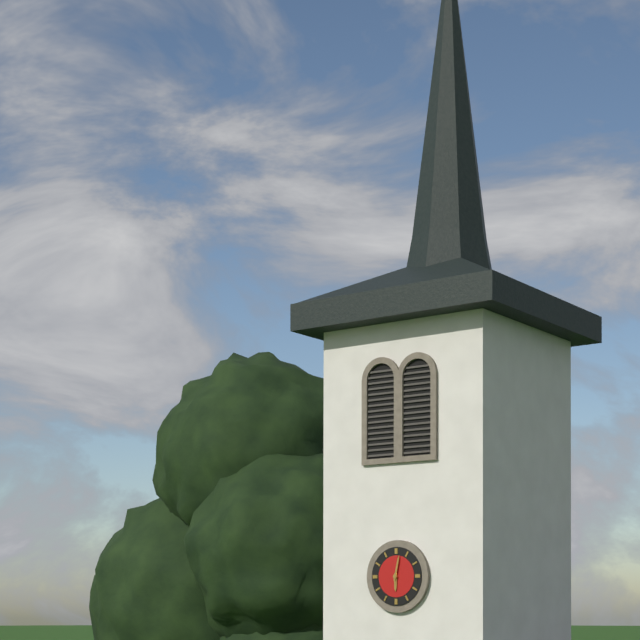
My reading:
6:02
